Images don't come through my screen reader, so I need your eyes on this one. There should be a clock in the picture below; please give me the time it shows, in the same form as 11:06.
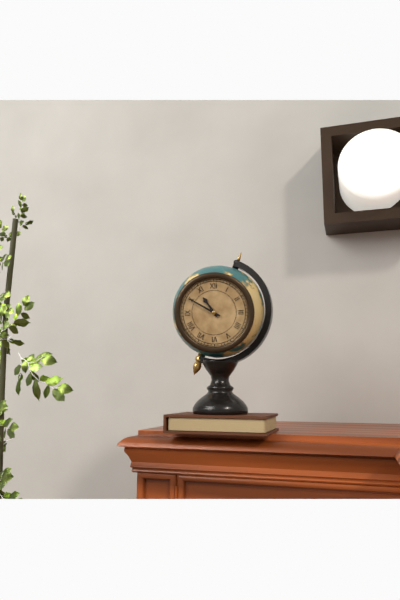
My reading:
10:50
